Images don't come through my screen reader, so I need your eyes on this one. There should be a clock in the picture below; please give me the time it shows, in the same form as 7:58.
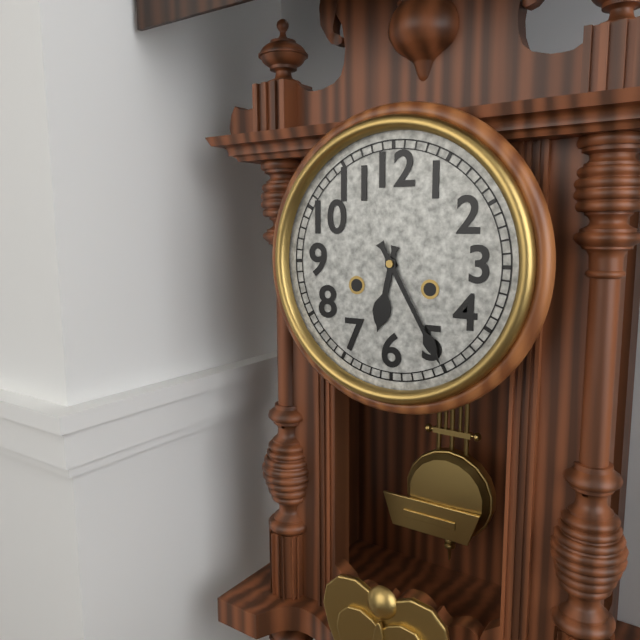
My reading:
6:25
